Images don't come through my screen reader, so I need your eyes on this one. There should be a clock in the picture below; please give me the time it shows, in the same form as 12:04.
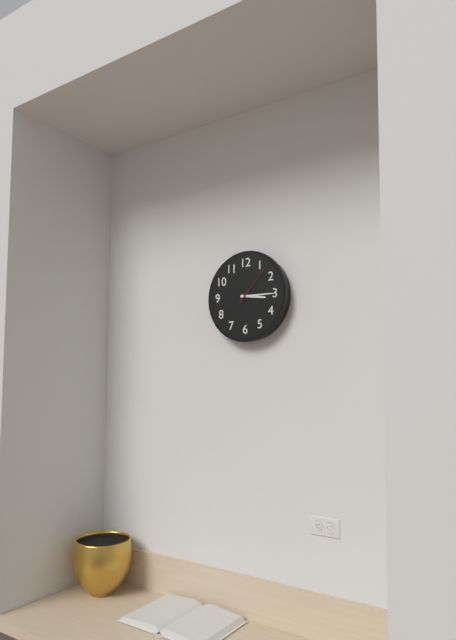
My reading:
3:15
